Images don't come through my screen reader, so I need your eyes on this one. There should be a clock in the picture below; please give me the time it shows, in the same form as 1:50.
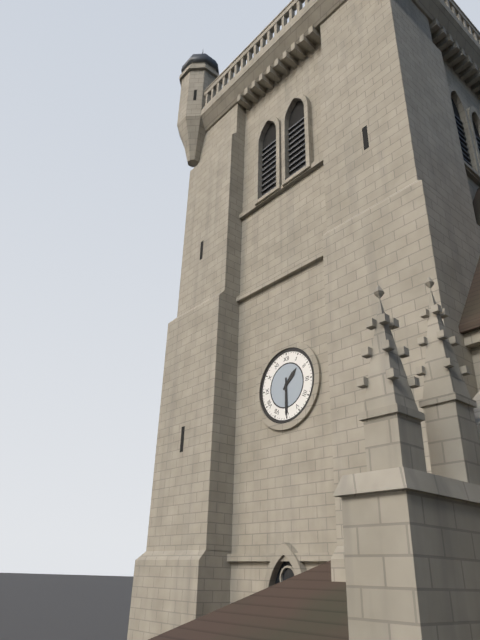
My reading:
1:30
